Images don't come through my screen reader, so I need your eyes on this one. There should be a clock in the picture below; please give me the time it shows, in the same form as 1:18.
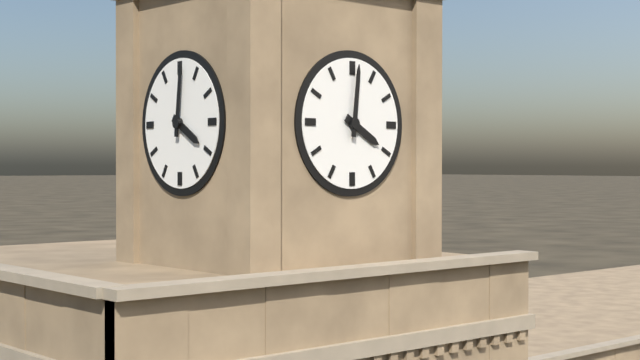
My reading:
4:01
